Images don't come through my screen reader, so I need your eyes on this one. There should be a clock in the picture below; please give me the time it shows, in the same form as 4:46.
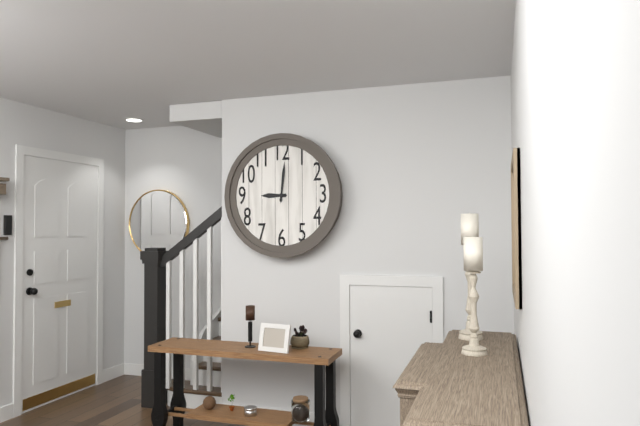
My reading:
9:01
